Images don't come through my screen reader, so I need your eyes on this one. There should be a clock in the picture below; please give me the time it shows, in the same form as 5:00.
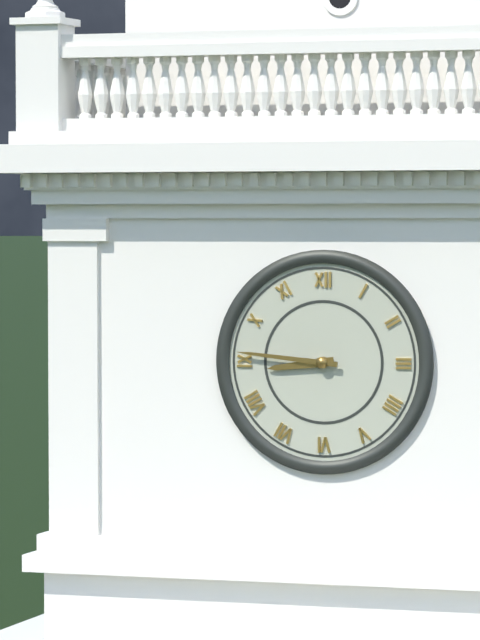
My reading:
8:46
